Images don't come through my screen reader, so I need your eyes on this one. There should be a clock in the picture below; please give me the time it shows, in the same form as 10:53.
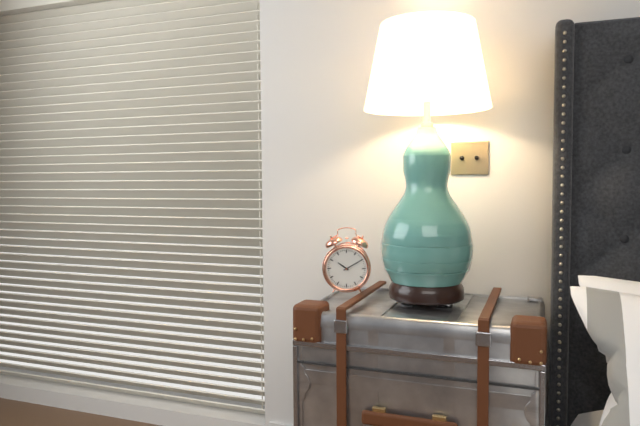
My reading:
10:10
